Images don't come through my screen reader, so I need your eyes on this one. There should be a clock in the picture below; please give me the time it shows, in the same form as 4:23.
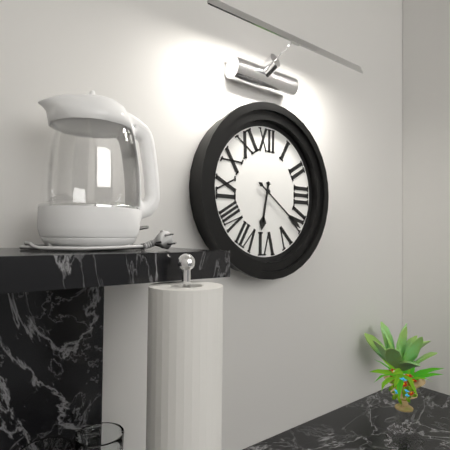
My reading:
6:21
